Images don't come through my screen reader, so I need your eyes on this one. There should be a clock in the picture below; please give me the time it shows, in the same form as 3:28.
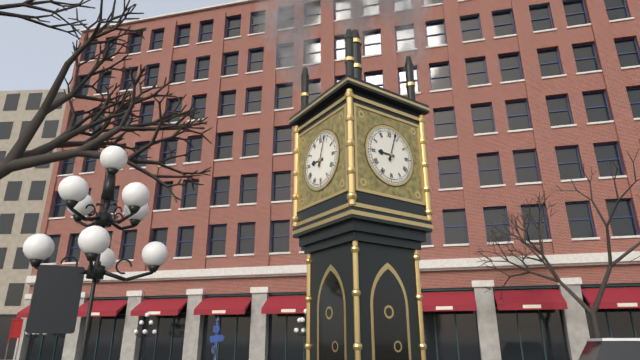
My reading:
9:03
